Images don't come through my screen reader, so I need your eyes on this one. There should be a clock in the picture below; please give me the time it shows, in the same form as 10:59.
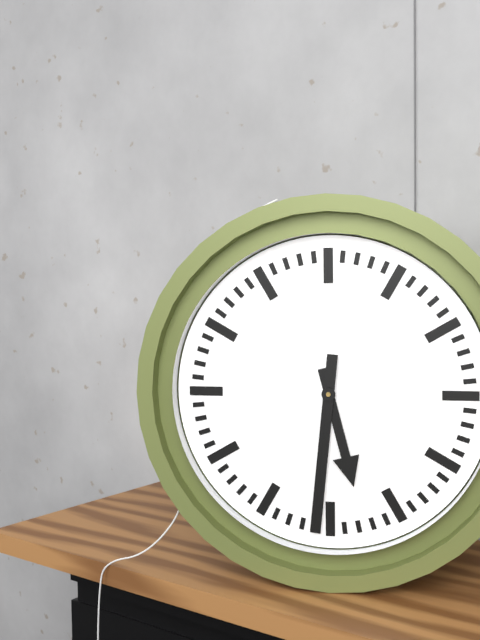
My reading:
5:31
